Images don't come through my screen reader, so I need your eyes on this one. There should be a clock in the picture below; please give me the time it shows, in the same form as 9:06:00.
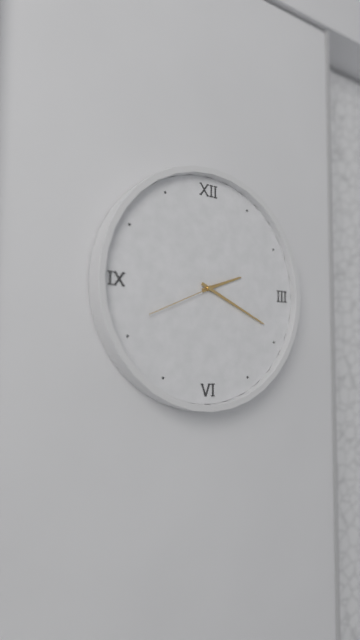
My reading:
2:19:41
